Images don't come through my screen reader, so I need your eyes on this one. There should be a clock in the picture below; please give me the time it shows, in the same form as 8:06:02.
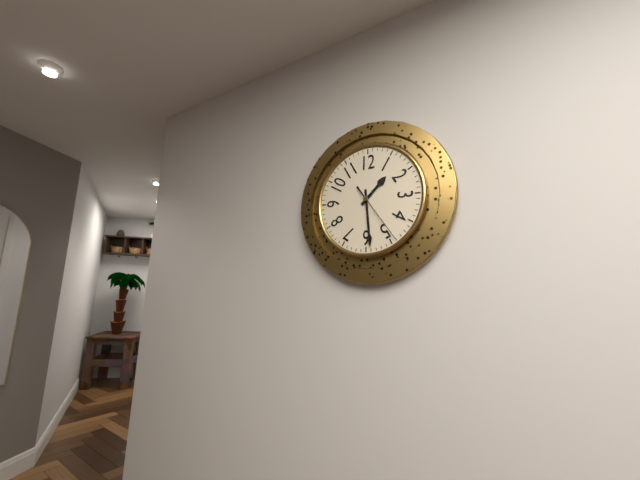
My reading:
1:29:24
